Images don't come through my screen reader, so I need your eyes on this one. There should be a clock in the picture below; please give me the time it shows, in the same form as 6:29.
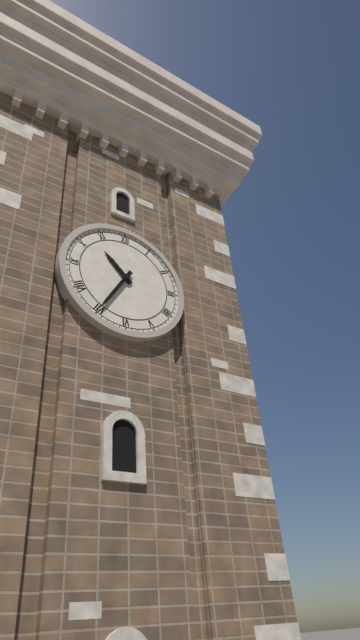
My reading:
10:35
